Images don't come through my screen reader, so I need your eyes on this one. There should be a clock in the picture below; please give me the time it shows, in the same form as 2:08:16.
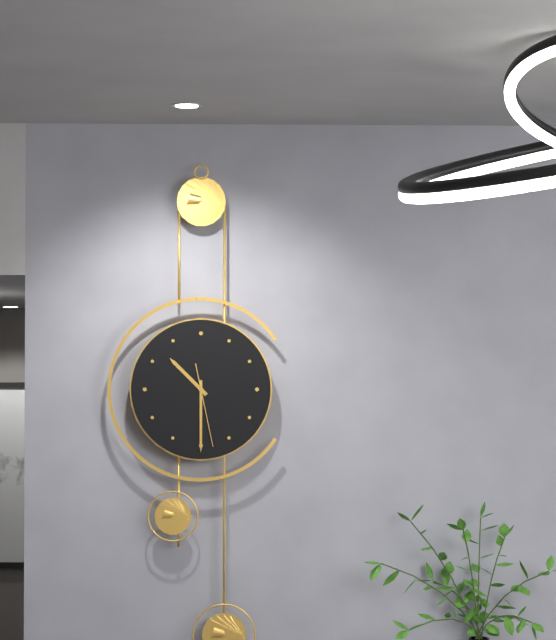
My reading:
10:30:28
